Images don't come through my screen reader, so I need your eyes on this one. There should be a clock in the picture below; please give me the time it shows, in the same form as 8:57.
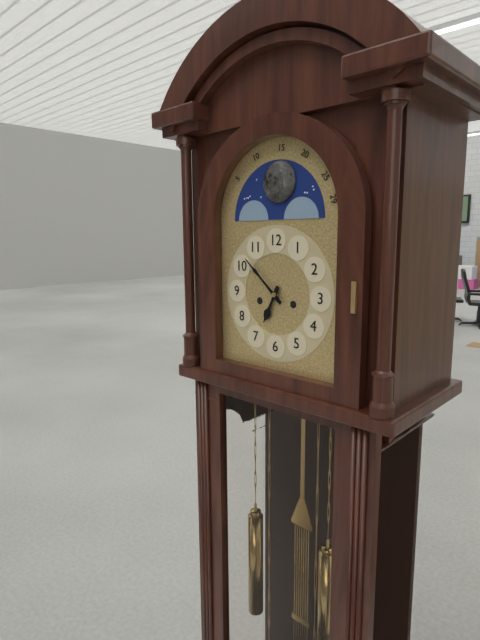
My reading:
6:52
